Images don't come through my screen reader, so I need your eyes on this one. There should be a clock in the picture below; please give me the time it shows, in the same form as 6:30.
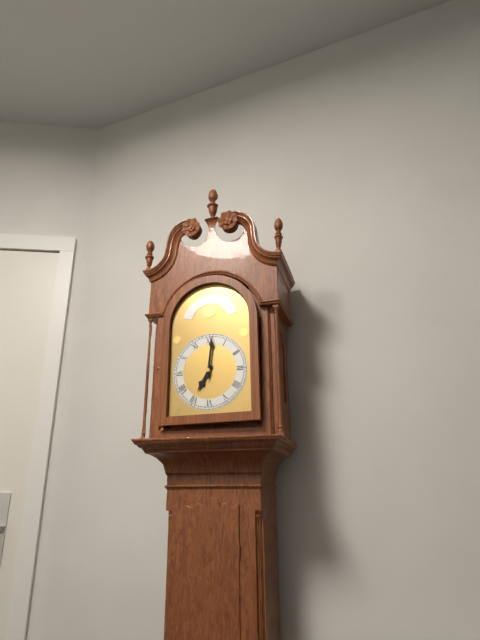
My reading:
7:01
